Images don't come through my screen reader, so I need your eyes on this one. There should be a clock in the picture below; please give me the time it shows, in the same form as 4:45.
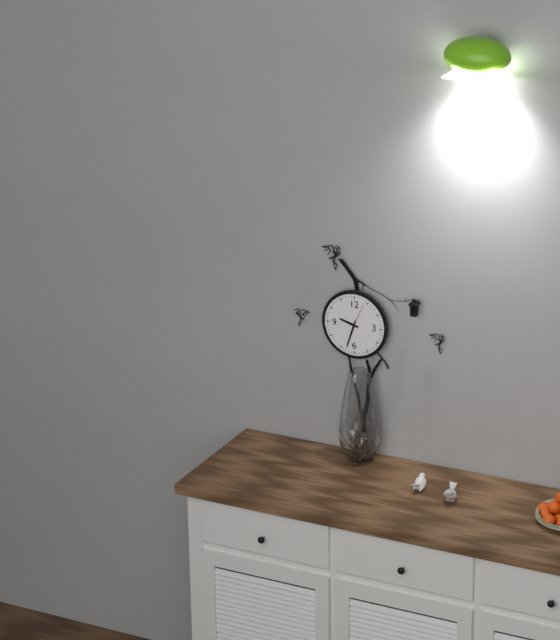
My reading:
9:33
